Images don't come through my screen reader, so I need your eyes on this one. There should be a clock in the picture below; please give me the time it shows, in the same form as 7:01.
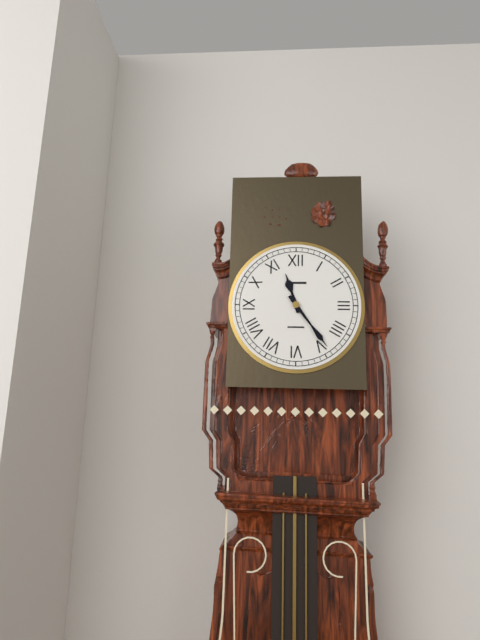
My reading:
11:24
